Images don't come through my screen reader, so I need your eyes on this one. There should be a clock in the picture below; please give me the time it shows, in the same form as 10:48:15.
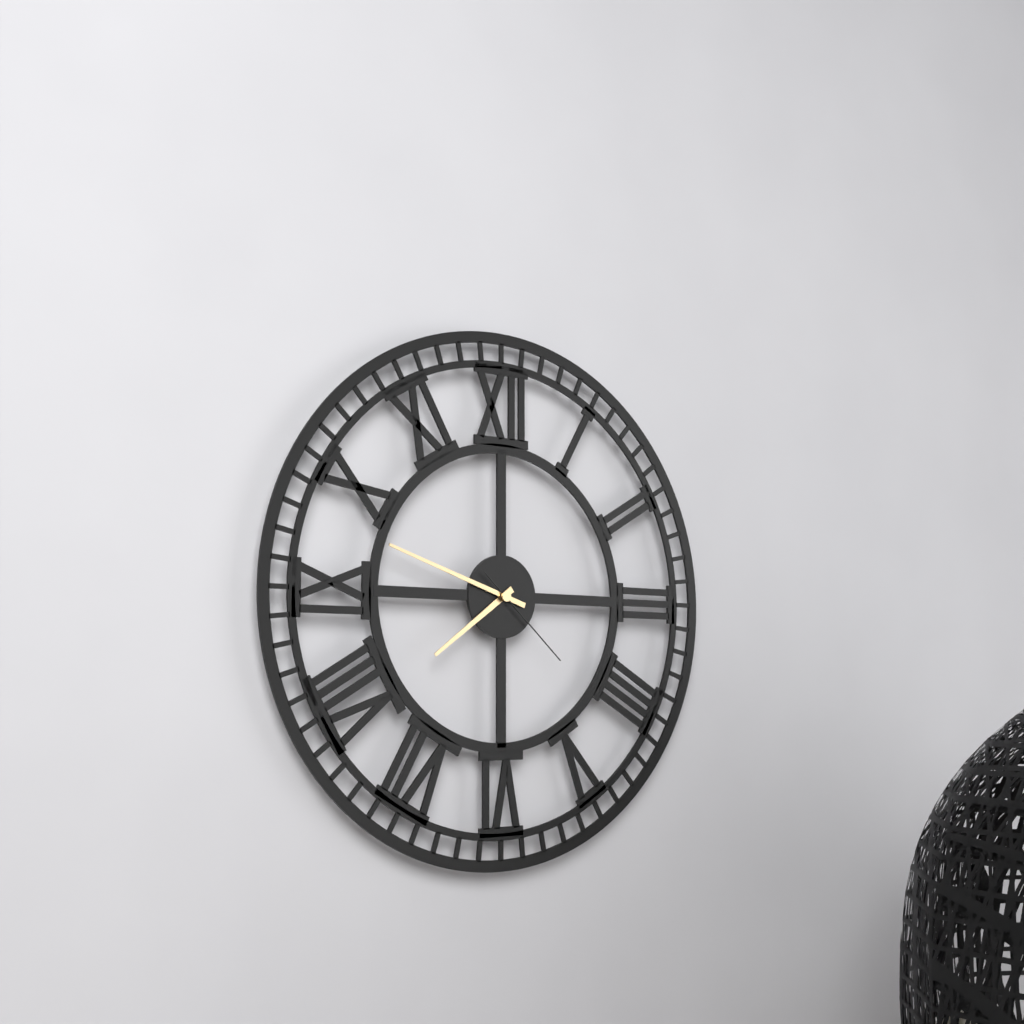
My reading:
7:48:22
